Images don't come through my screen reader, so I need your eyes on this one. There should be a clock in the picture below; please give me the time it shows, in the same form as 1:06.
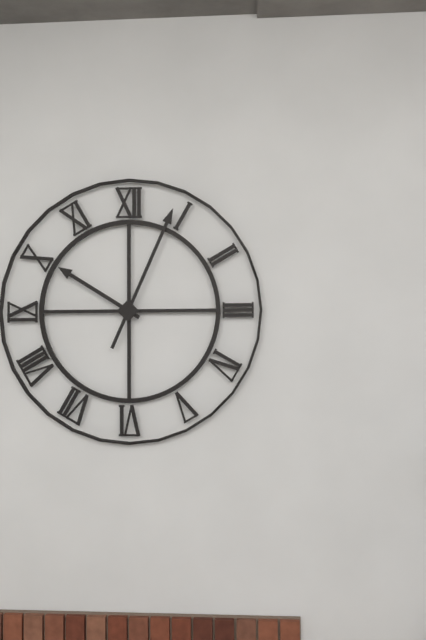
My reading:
10:04
